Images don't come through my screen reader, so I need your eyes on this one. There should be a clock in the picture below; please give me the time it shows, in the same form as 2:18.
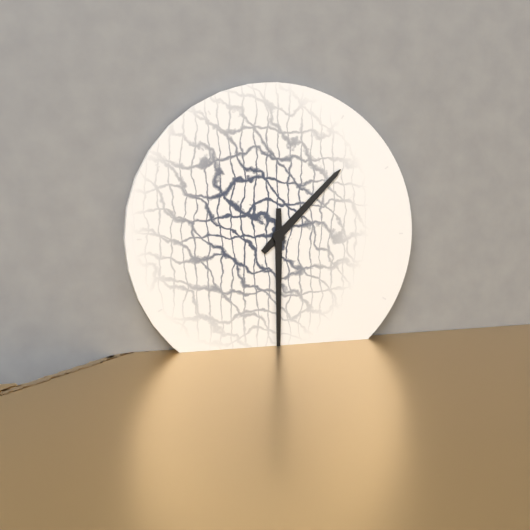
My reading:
1:30
